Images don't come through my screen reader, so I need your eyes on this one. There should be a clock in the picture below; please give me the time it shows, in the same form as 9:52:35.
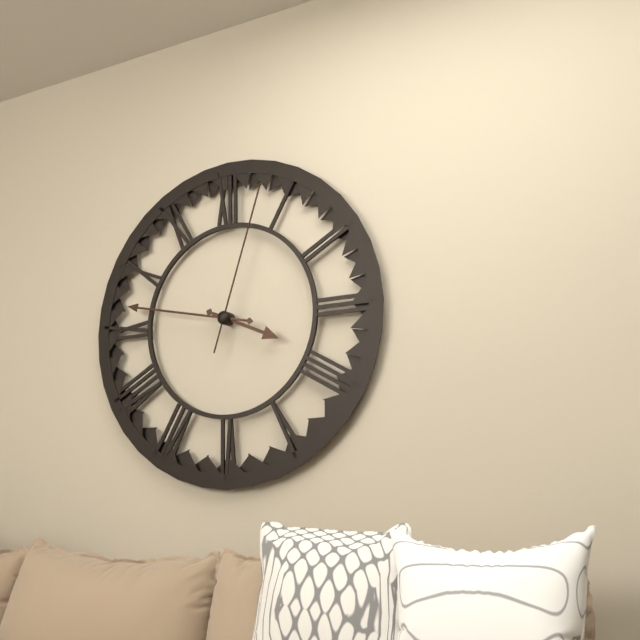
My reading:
3:47:03
